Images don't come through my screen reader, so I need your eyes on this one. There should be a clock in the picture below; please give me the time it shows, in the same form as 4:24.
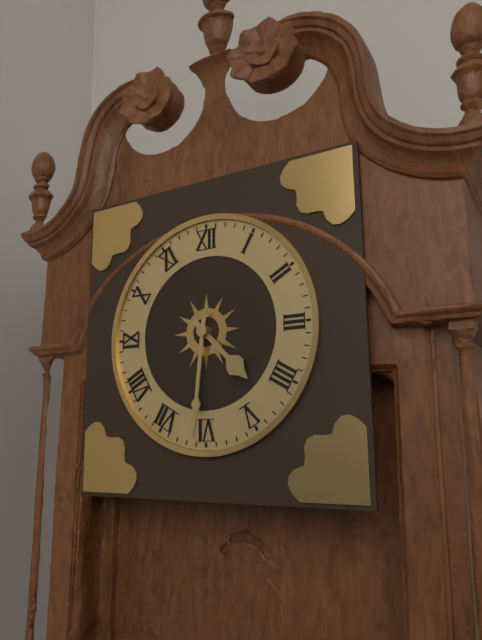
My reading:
4:31
